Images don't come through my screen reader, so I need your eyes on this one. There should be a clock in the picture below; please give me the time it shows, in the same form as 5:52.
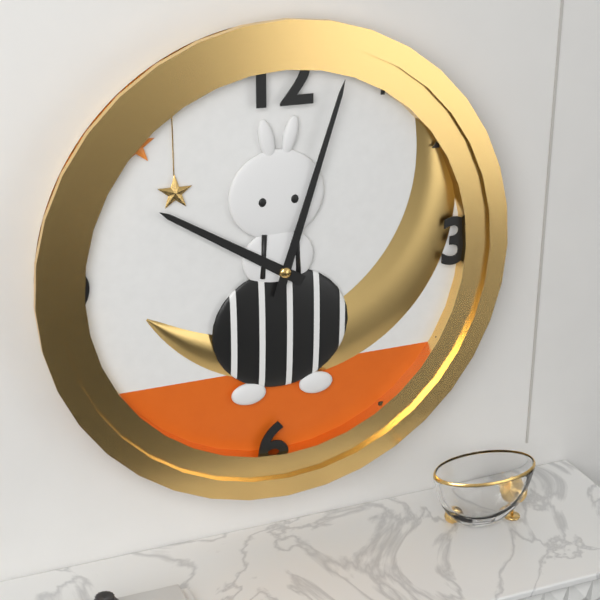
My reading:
10:03
